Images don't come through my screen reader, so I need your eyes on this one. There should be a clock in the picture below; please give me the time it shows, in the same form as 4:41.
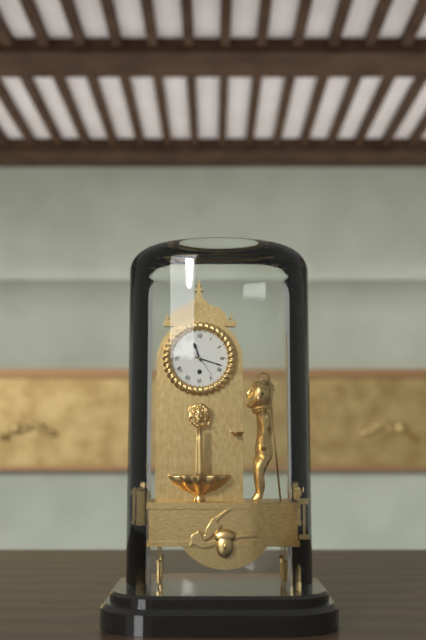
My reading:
11:18
